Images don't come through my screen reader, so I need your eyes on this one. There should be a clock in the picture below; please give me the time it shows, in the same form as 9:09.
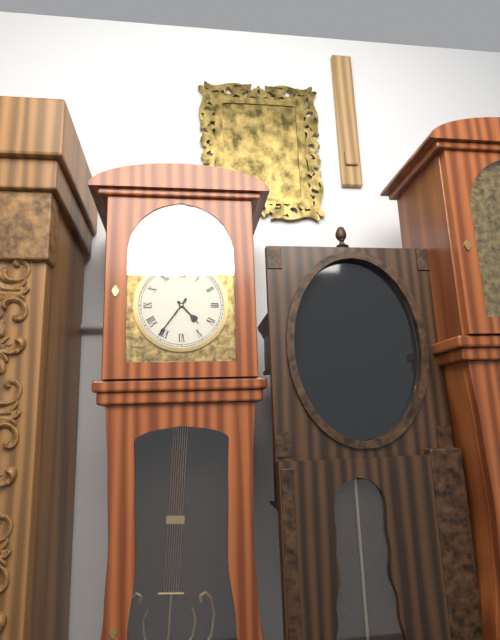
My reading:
4:36
